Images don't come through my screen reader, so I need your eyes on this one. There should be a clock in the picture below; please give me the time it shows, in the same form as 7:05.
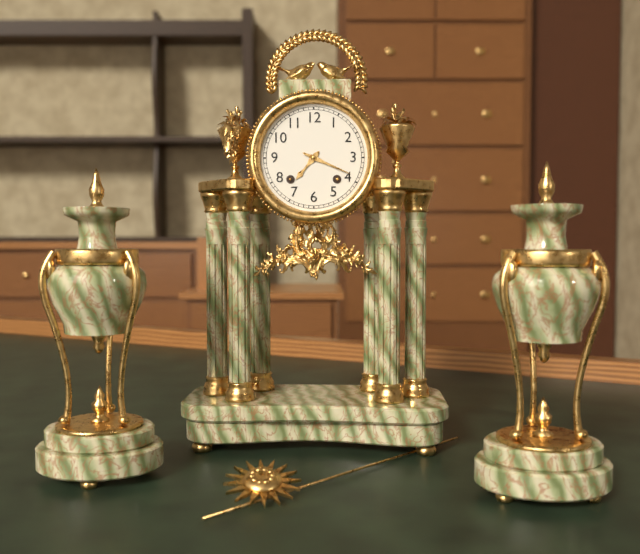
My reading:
7:19
